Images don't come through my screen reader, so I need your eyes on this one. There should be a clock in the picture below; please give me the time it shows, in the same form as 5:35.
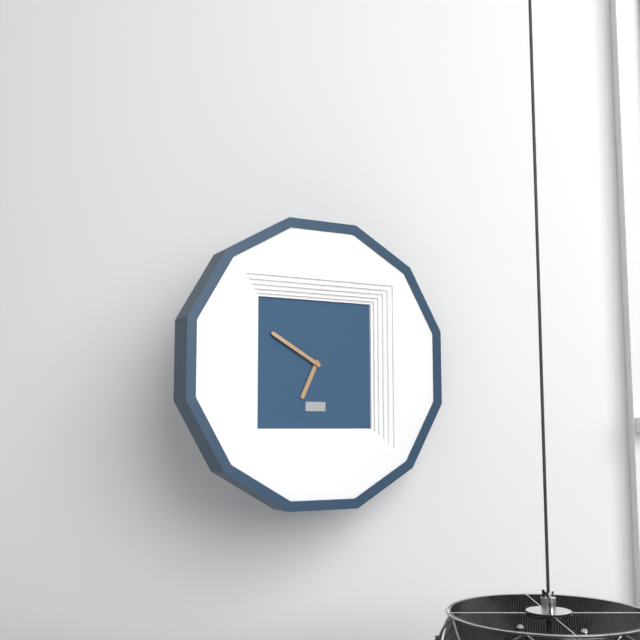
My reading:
6:50
